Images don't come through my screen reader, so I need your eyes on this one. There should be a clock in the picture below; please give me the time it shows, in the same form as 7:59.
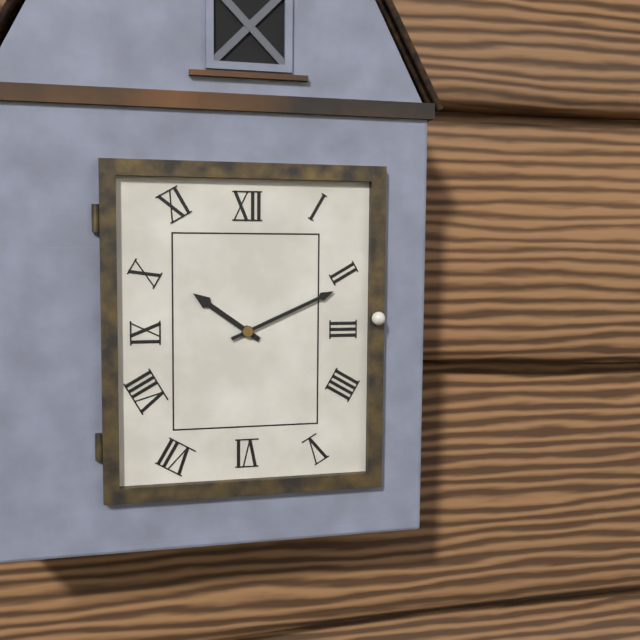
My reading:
10:11
